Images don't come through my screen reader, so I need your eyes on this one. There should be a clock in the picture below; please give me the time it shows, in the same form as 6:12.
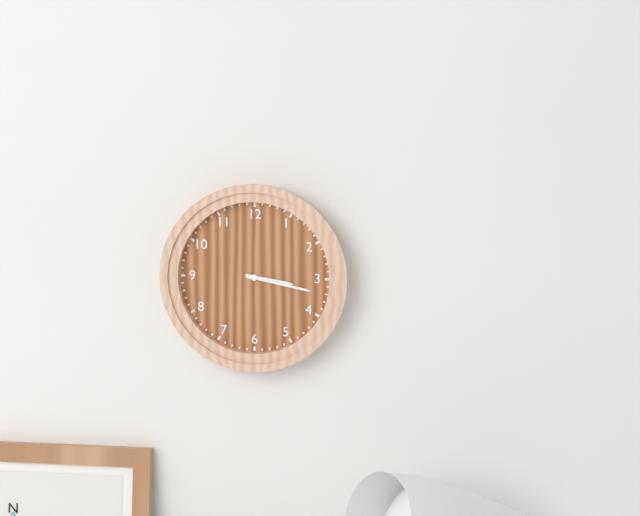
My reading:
3:17
